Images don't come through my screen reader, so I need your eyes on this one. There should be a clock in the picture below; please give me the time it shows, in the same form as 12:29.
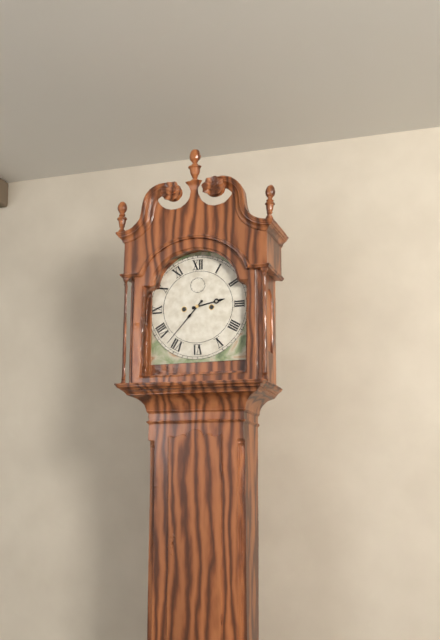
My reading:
2:37
